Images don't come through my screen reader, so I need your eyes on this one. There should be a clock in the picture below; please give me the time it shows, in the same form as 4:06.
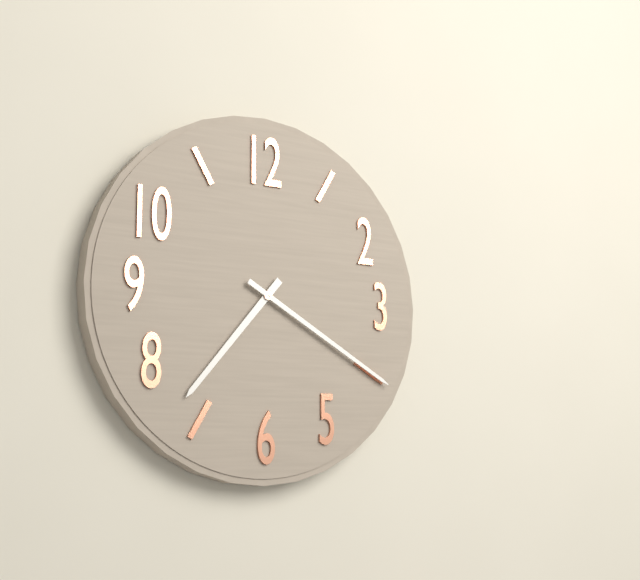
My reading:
7:20
